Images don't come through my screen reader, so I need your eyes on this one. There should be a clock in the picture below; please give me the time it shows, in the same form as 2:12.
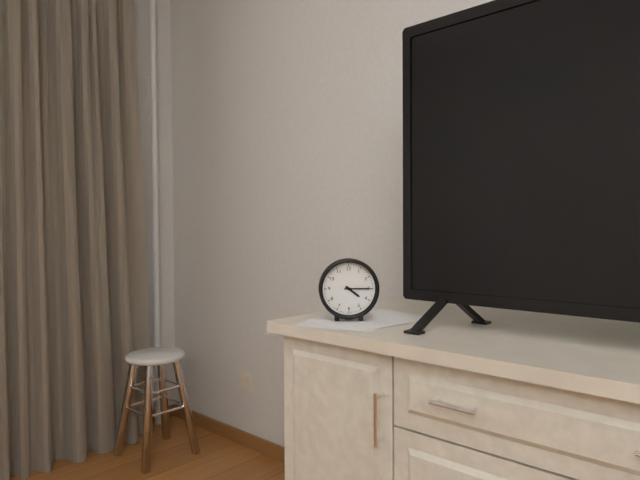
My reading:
4:15
